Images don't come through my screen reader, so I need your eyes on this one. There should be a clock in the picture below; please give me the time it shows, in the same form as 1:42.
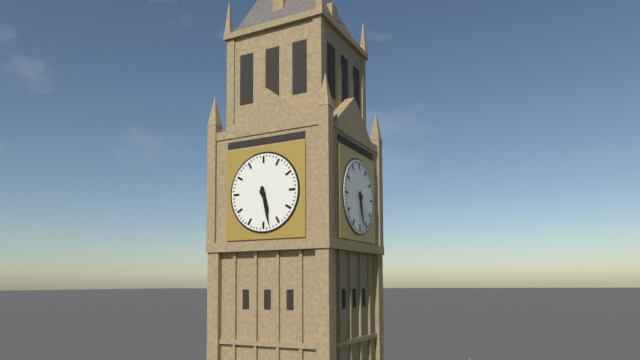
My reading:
5:28
